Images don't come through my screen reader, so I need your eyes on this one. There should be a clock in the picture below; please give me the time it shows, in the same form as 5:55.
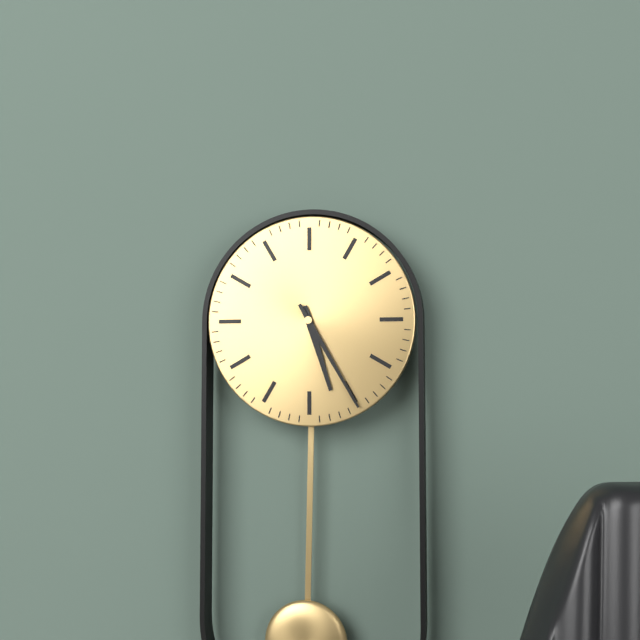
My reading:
5:25
